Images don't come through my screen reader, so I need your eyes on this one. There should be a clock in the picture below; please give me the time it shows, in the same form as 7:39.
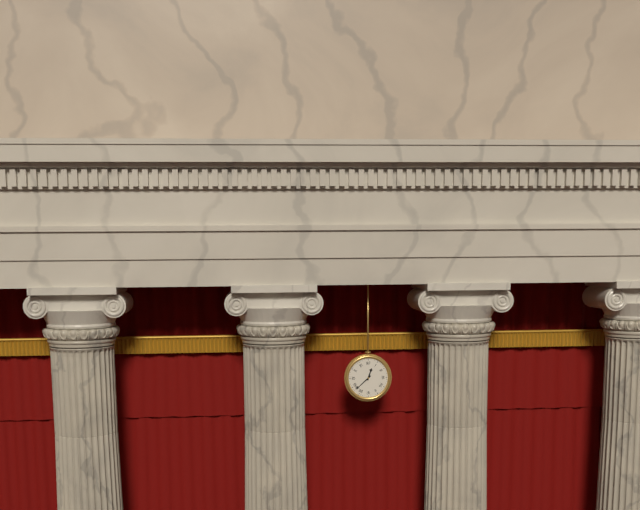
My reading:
12:38
